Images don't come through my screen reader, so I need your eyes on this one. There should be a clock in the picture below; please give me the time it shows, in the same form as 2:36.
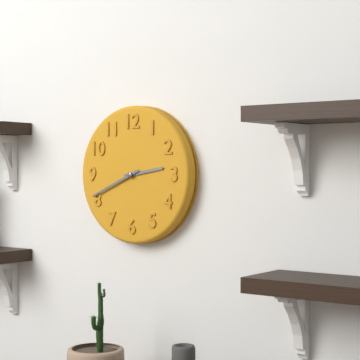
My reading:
2:41
